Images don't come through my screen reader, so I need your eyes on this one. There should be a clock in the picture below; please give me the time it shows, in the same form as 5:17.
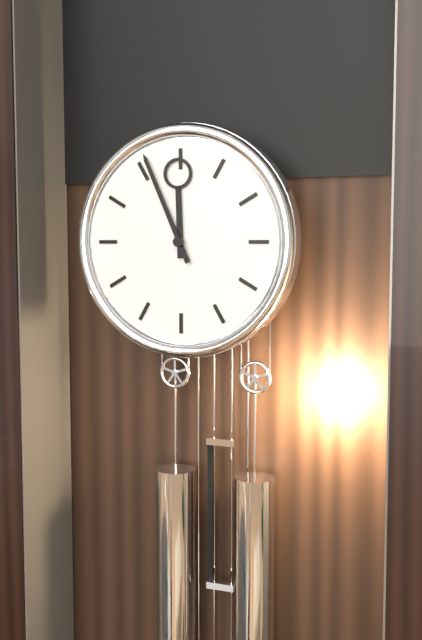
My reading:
11:56
